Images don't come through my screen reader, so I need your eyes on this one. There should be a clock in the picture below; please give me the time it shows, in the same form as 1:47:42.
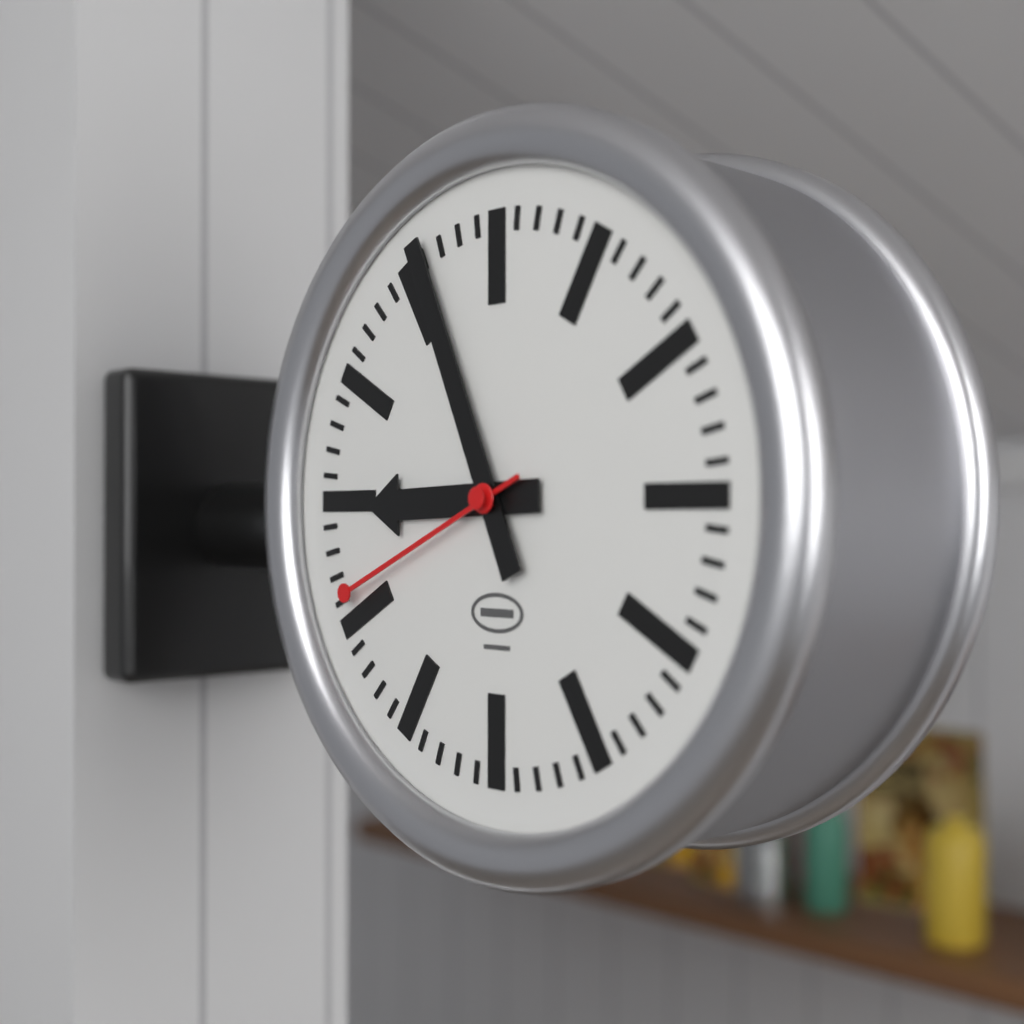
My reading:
8:56:41
